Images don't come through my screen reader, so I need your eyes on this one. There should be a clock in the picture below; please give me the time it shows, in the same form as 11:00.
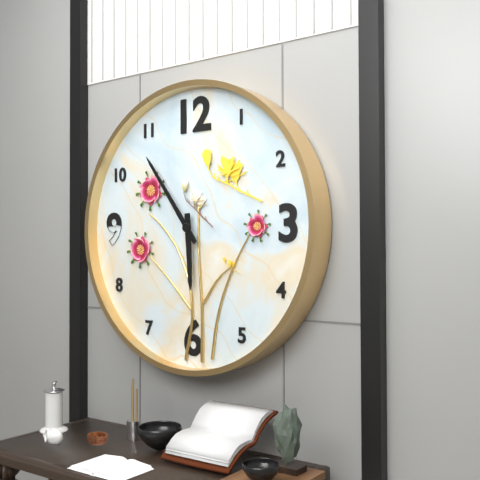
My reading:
5:54
